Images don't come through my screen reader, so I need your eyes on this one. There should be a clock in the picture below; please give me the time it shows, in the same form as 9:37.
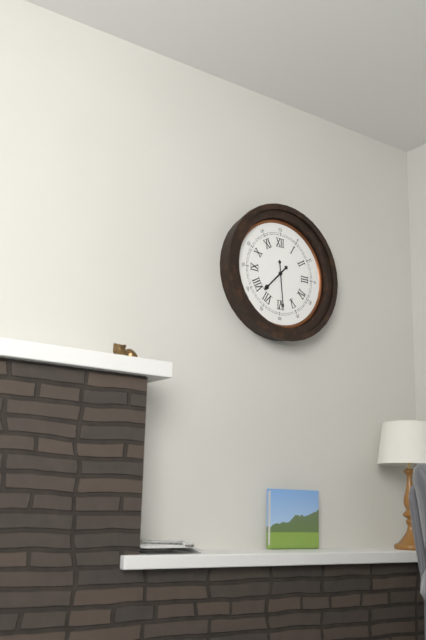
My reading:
7:29
